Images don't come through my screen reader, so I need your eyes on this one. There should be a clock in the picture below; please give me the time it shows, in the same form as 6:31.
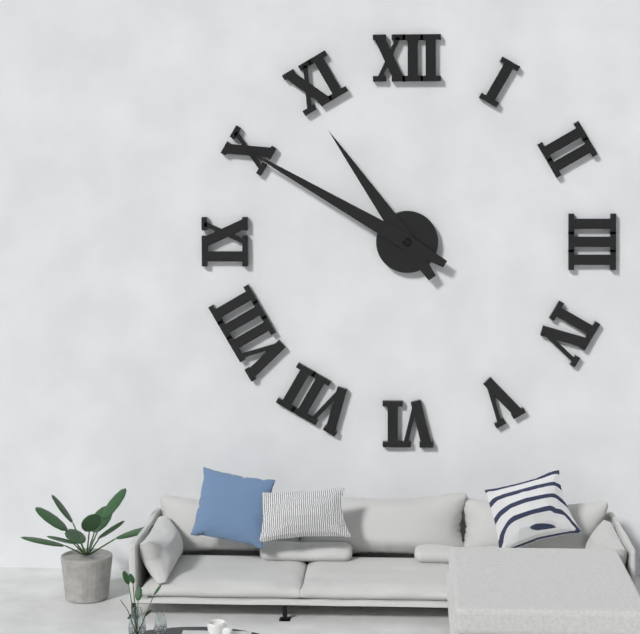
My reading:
10:50
